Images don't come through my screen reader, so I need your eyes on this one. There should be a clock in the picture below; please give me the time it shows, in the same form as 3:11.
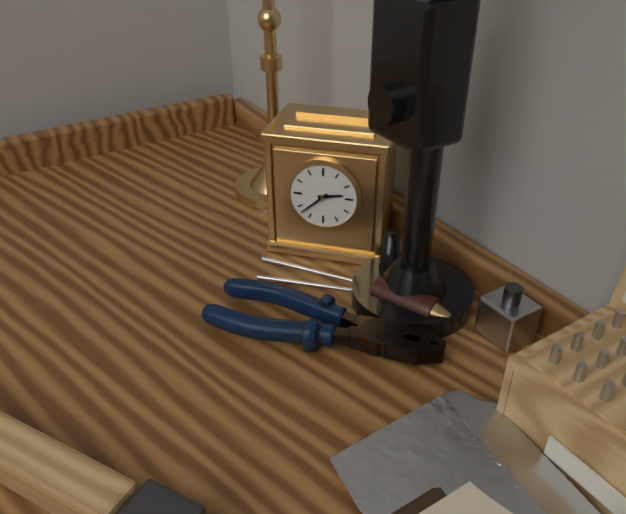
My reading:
2:38
